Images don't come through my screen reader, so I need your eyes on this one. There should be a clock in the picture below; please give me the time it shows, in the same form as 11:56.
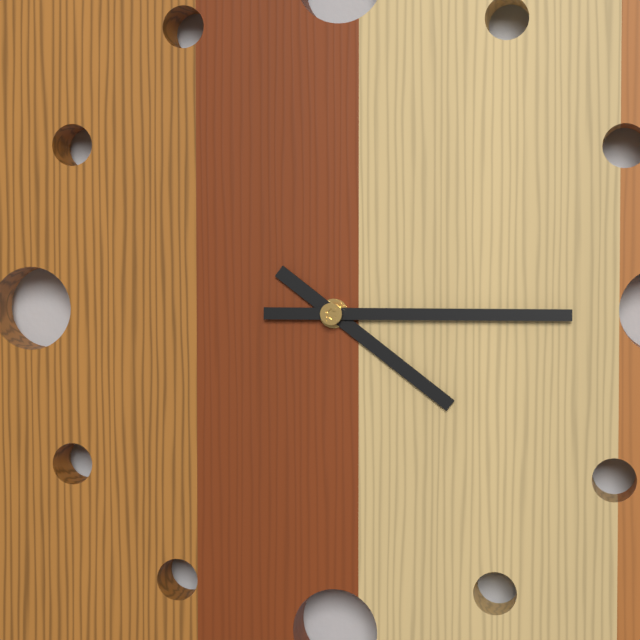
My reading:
4:15
